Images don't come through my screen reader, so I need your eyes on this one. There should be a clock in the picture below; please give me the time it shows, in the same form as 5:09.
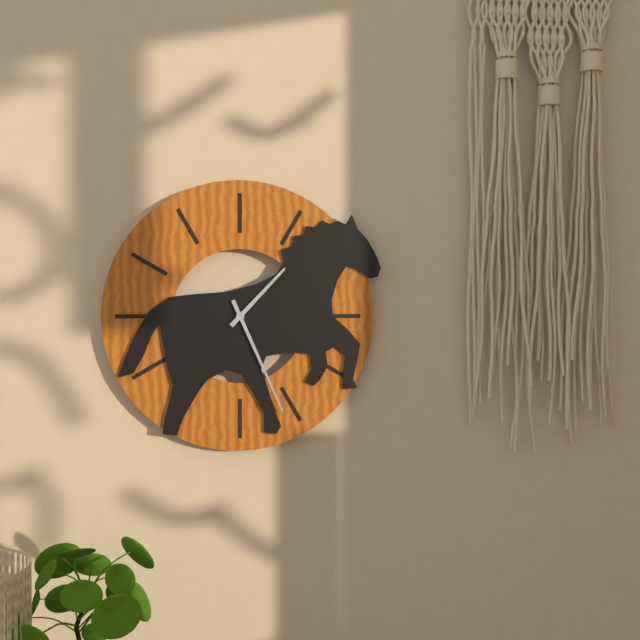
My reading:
1:26
